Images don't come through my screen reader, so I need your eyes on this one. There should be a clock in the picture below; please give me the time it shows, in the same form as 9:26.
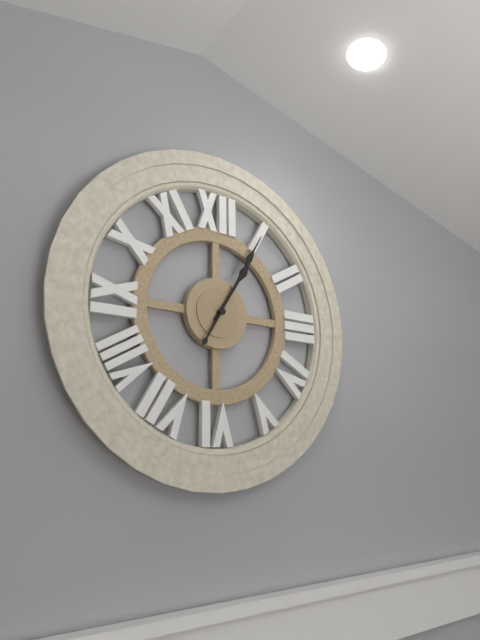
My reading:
1:05
